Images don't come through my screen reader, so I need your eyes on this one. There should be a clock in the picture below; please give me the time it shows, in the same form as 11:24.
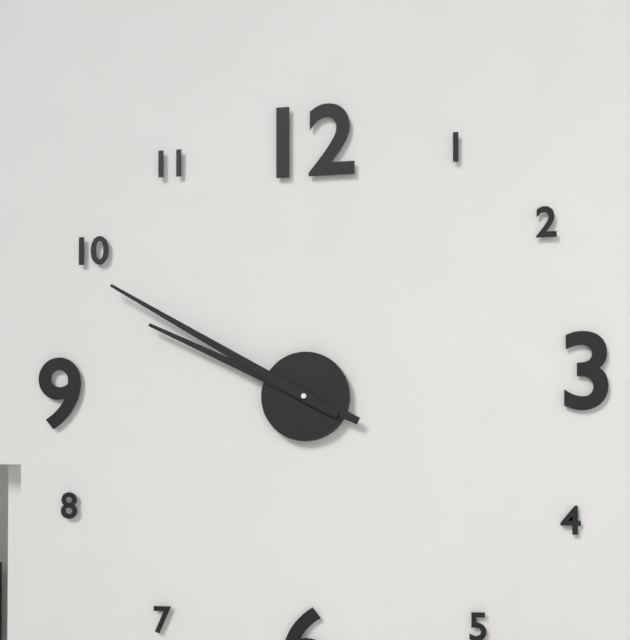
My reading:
9:50
